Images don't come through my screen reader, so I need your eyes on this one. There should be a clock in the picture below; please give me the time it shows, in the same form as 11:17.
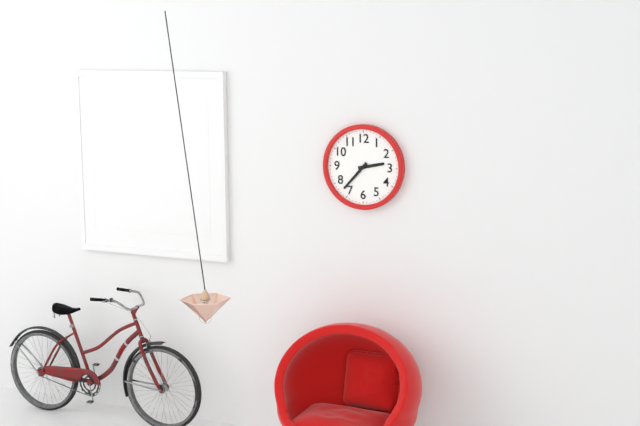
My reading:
2:37
